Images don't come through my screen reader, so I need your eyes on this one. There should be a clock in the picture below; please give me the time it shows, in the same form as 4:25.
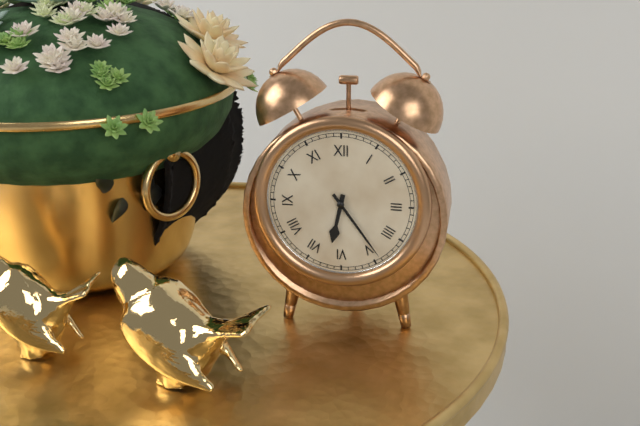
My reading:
6:24
